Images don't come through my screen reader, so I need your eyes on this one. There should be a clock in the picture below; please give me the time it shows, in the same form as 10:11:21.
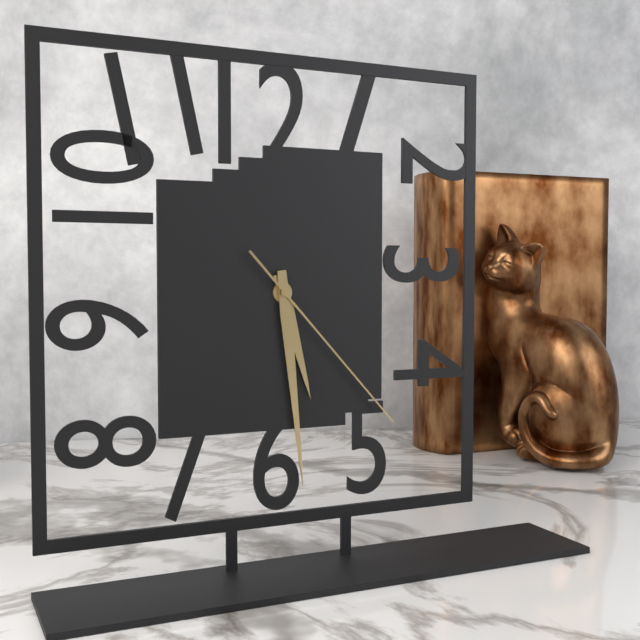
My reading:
5:29:23
